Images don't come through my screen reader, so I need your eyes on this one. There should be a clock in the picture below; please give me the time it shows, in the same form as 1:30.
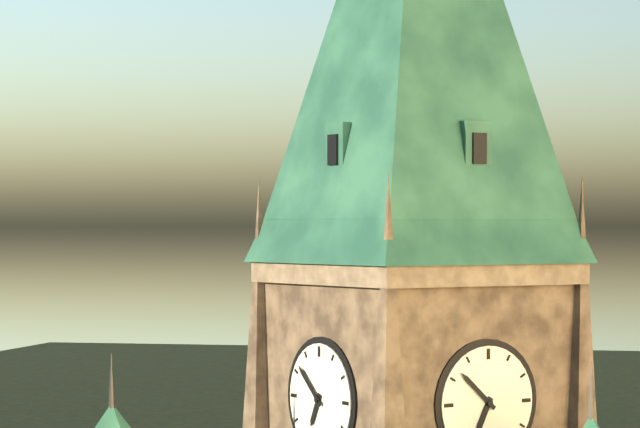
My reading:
6:52
